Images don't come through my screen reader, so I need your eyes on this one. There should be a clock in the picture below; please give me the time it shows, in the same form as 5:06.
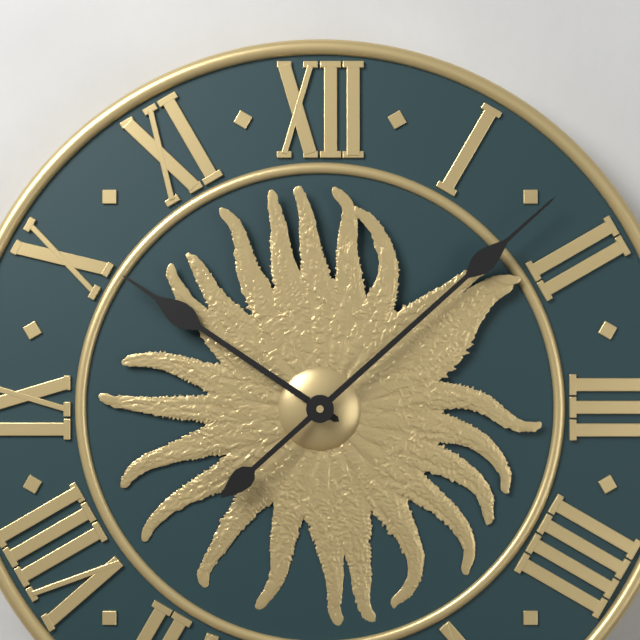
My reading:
10:08
